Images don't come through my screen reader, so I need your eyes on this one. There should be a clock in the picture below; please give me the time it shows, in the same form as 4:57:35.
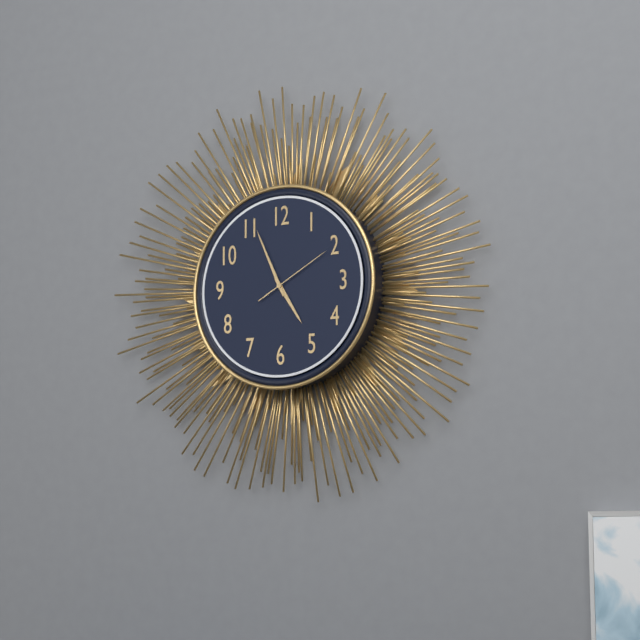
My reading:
4:56:10
